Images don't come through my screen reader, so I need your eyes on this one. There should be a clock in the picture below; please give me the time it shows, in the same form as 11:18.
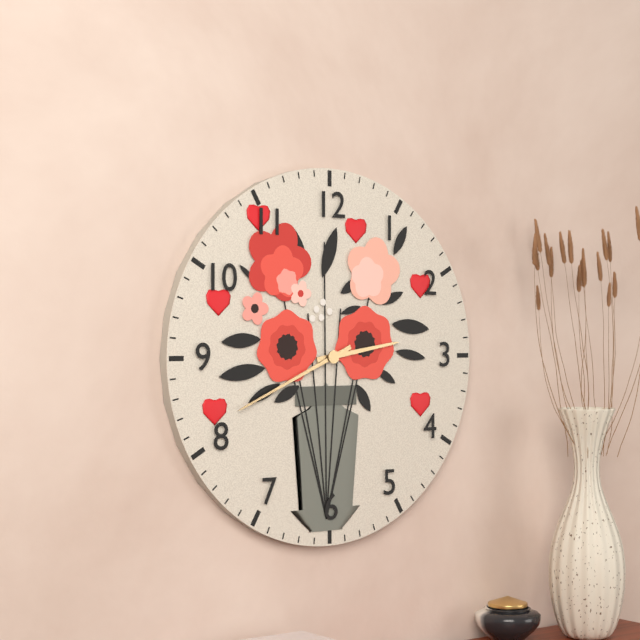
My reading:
2:41
